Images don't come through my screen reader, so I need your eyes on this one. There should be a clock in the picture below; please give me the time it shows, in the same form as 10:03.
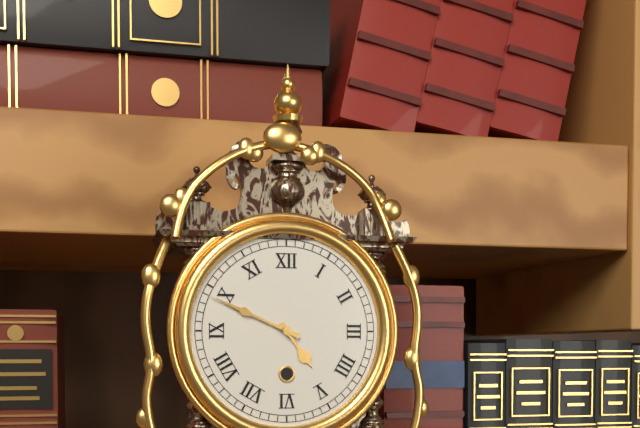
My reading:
4:49
